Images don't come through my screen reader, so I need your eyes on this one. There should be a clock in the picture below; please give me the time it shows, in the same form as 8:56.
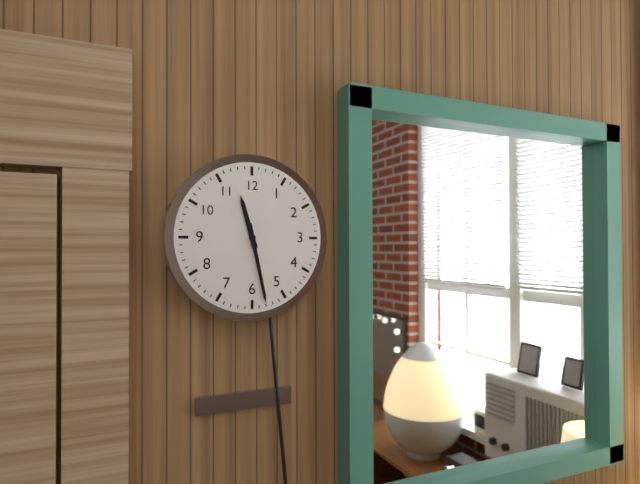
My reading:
11:28
